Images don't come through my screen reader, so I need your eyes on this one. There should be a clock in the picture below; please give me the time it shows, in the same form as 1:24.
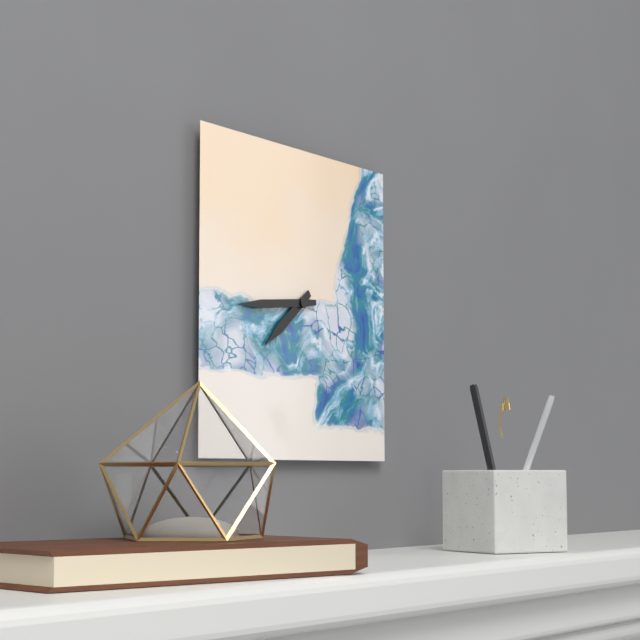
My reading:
7:44
